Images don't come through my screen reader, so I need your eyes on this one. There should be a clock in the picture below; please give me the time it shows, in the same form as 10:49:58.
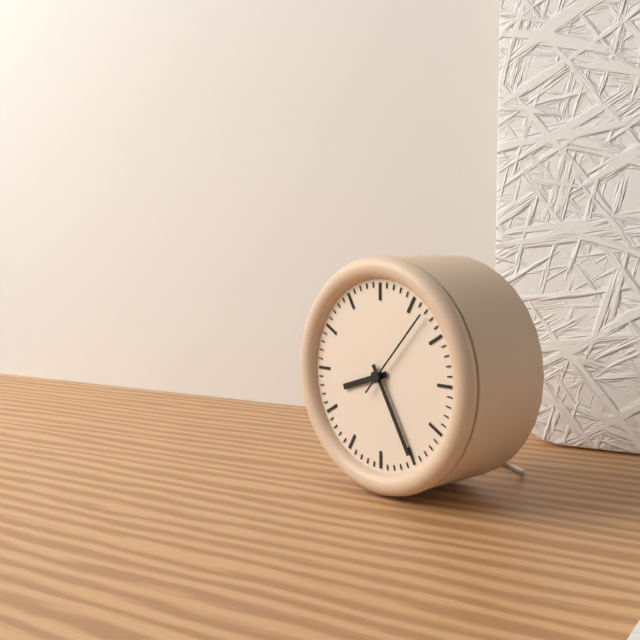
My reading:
8:25:07
